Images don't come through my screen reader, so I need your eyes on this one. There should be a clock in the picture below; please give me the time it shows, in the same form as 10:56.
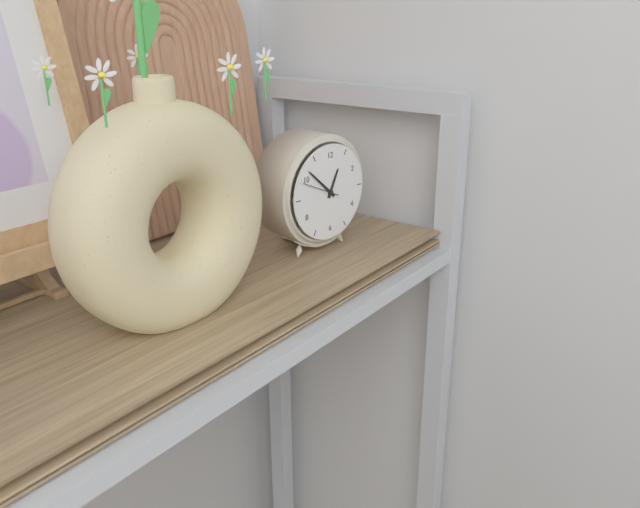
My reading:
12:52
